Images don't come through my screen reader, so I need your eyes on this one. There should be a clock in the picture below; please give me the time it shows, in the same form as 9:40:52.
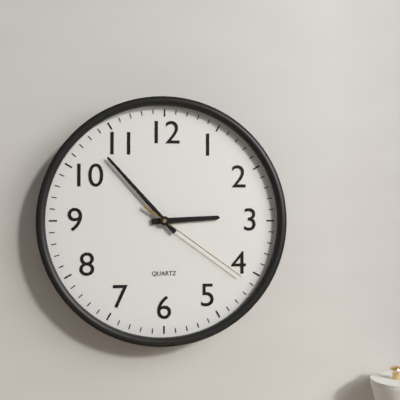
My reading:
2:53:21
